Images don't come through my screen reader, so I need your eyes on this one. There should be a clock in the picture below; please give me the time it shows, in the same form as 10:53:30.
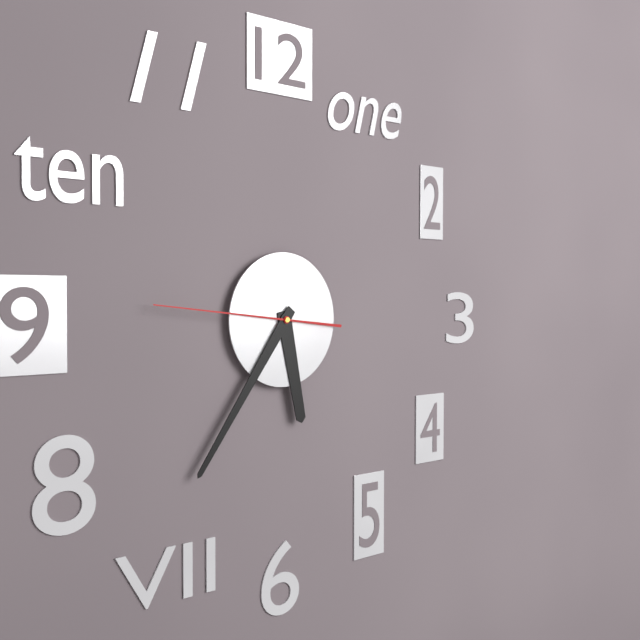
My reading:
5:36:46
